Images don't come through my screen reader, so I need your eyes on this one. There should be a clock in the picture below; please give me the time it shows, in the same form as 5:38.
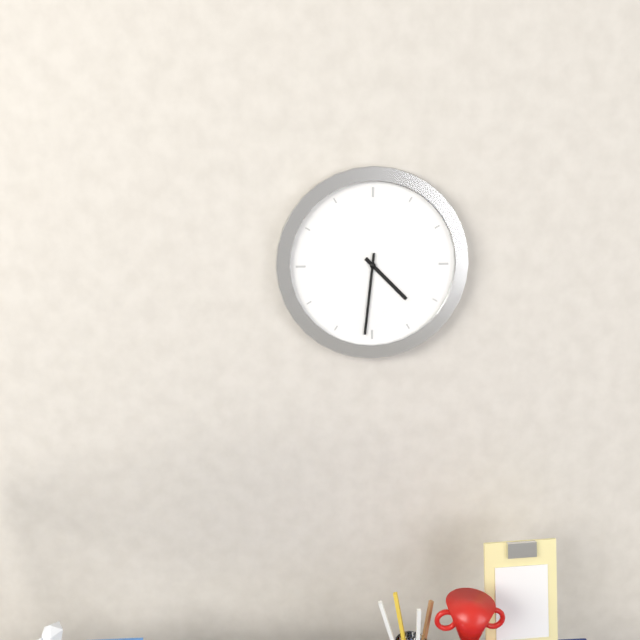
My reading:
4:31
